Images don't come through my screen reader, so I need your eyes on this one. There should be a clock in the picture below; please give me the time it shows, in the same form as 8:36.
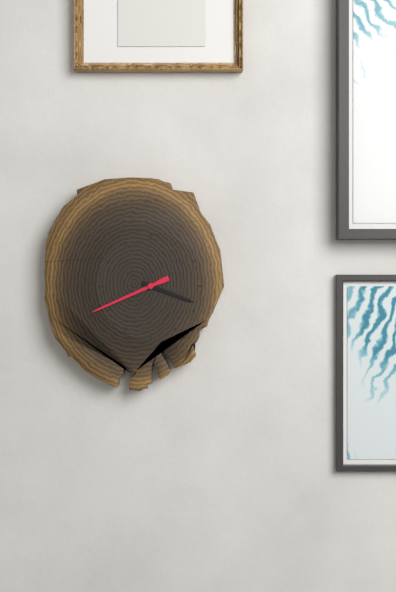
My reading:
3:41
